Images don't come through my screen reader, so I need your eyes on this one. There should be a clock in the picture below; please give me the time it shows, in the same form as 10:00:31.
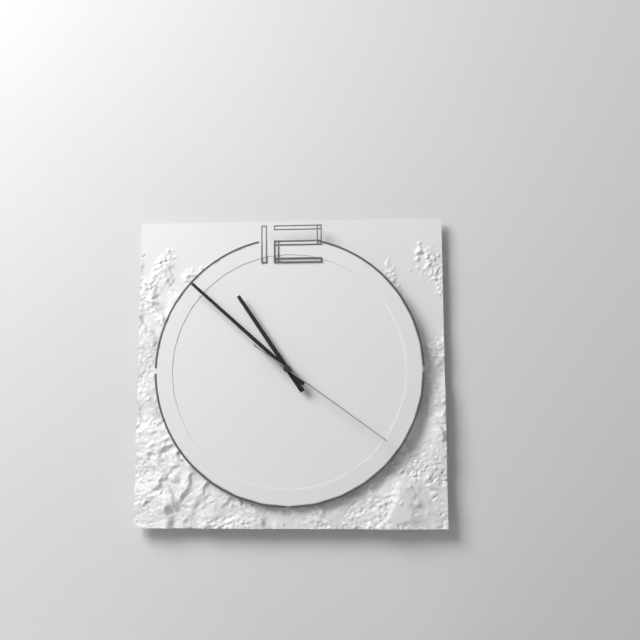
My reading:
10:52:21
